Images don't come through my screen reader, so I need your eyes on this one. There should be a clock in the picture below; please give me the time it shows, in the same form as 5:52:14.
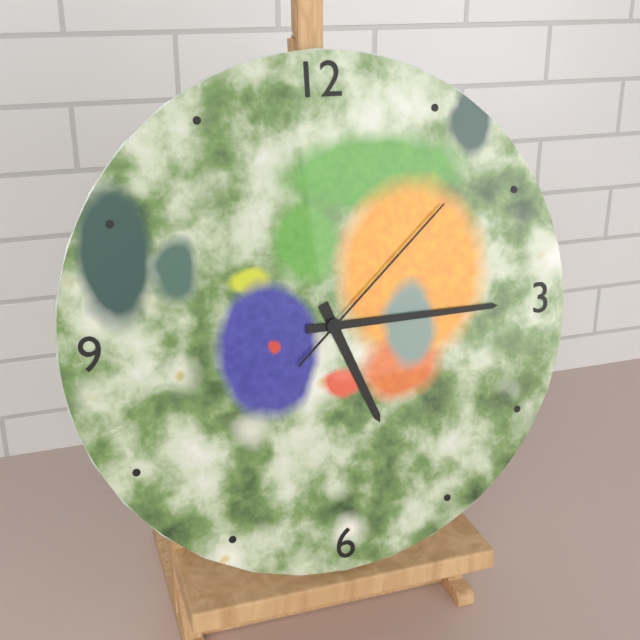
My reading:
5:15:08
